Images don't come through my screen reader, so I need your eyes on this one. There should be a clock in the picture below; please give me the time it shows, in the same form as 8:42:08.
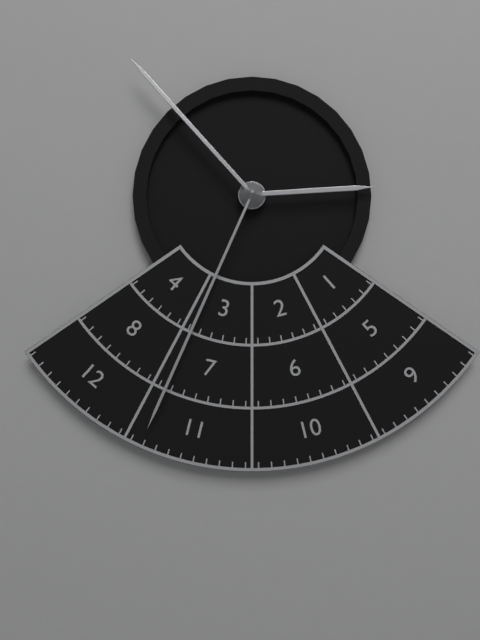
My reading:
2:53:34
